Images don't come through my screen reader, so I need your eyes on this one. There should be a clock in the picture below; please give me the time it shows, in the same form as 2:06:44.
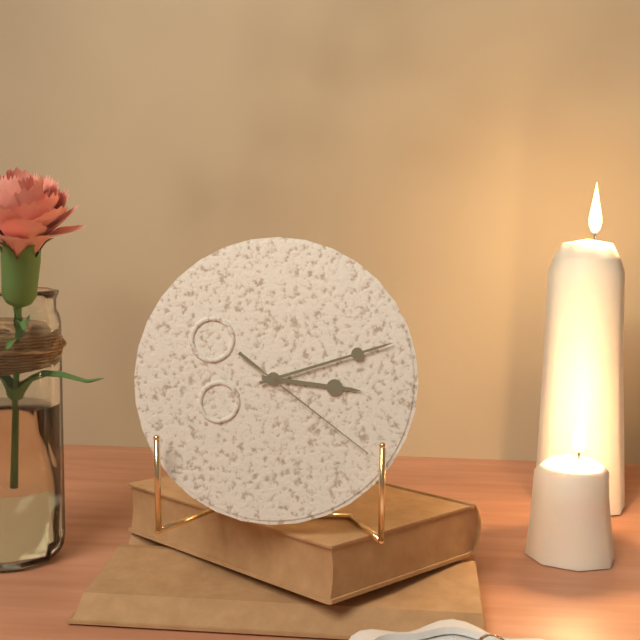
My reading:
3:12:21
